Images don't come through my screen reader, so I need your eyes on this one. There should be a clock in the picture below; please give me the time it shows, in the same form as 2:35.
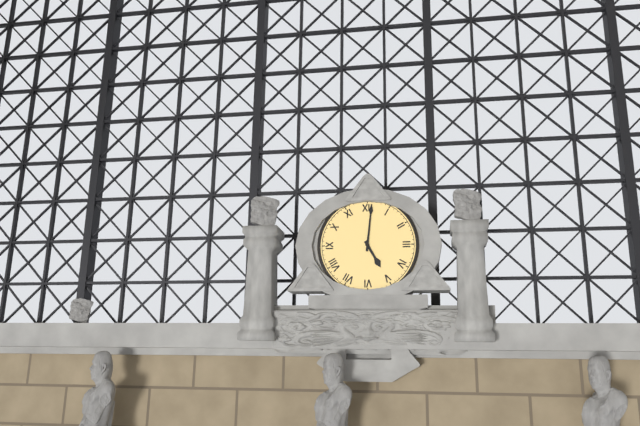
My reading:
5:01
